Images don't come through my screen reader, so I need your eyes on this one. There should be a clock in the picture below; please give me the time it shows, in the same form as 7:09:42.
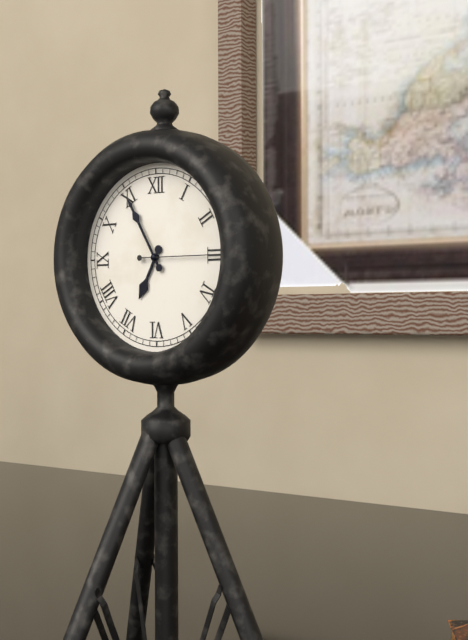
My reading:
6:55:15
